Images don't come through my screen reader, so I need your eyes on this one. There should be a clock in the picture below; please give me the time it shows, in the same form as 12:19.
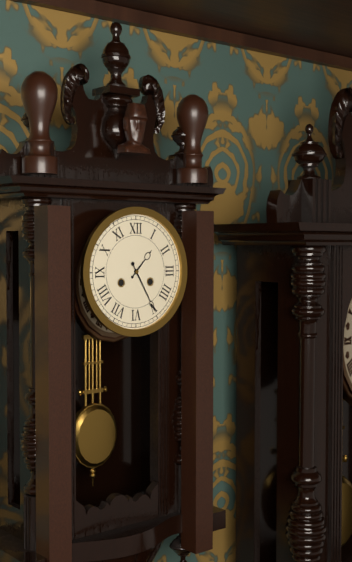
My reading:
1:25
